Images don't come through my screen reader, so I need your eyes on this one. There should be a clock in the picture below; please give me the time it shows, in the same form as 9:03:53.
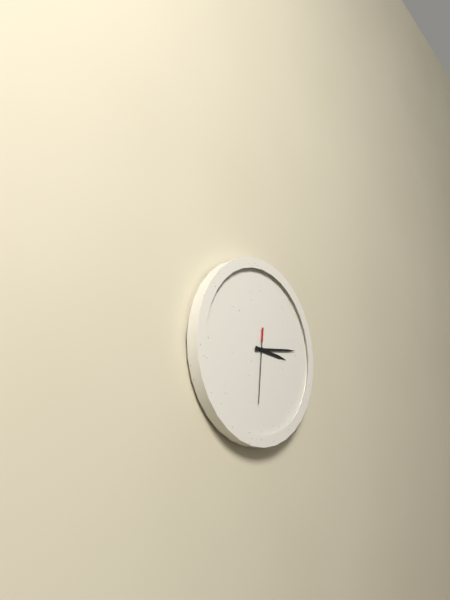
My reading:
3:14:31
